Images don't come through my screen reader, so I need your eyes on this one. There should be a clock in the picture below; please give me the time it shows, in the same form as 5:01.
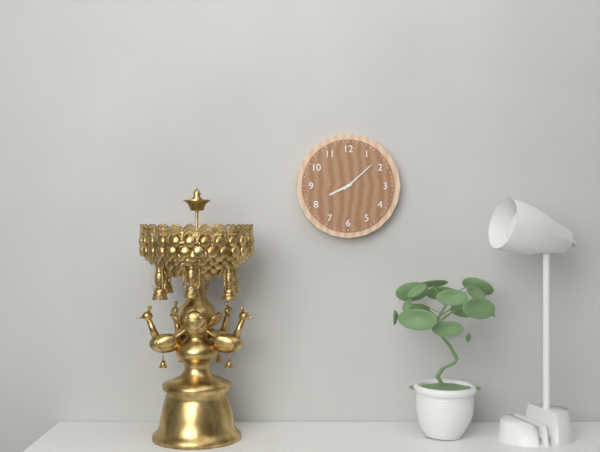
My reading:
8:08
